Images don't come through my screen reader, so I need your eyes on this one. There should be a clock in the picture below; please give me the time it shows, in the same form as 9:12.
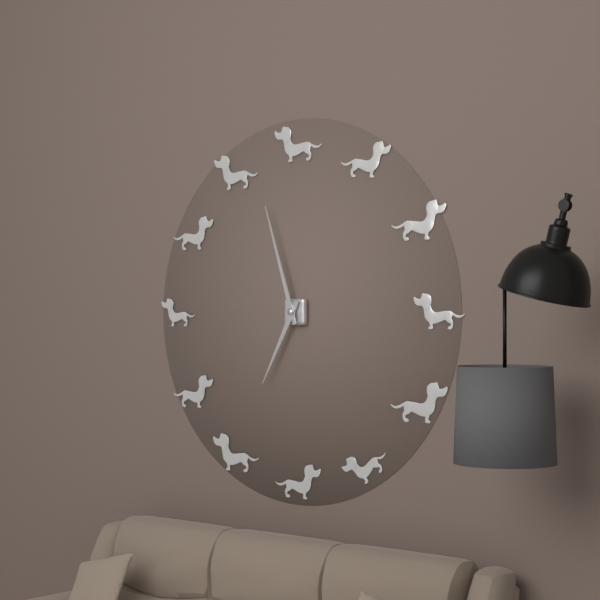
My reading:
6:57
